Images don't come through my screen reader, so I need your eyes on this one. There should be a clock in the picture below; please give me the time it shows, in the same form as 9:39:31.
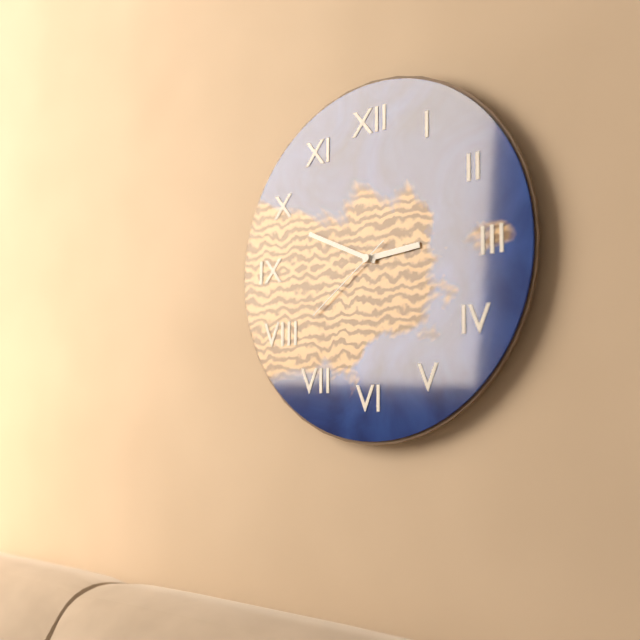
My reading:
2:49:39
